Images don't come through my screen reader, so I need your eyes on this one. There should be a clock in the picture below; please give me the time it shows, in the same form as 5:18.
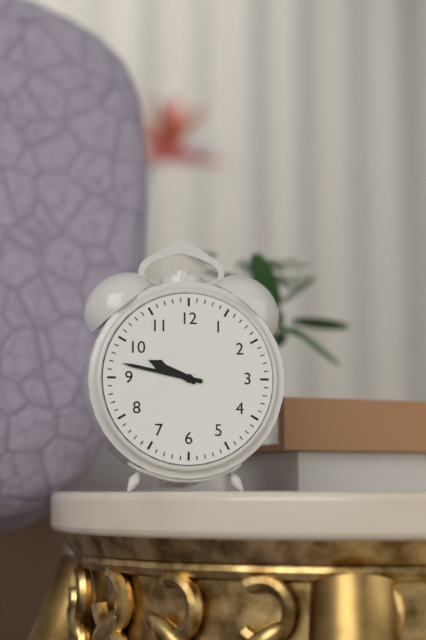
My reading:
9:47
